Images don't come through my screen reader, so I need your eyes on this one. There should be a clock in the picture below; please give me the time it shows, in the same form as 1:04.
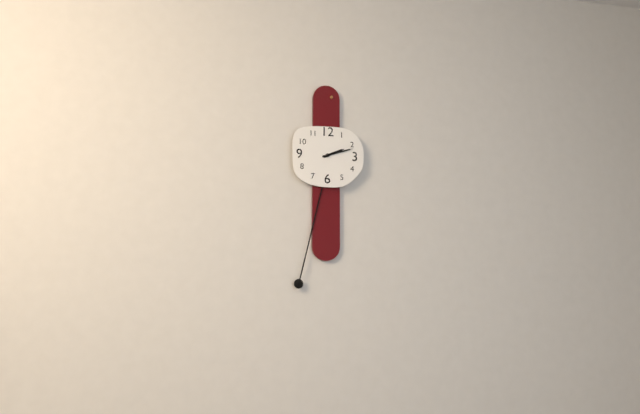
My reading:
2:12
